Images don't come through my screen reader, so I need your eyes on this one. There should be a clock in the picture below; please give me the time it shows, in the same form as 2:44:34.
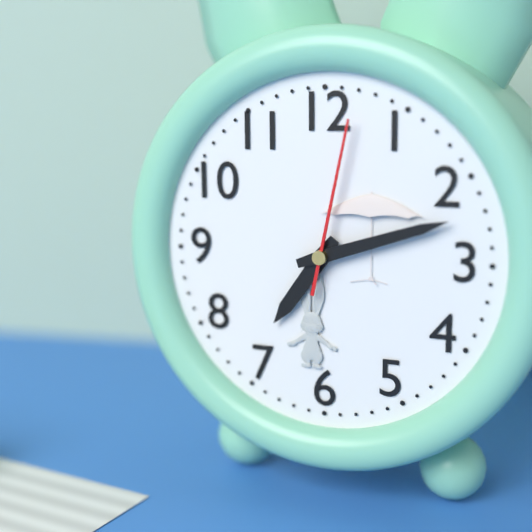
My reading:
7:12:02
